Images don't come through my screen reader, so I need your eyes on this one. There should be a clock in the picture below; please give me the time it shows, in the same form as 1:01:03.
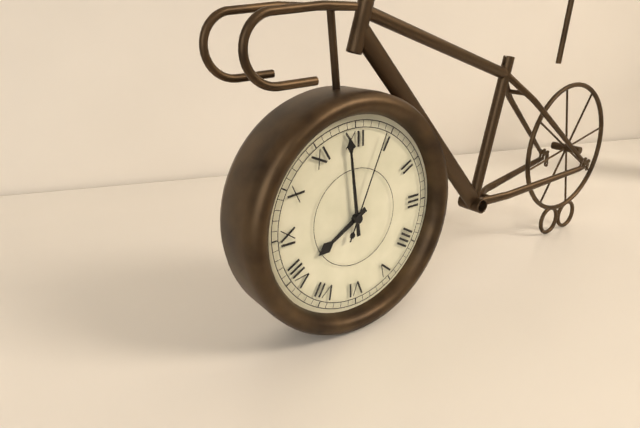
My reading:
7:59:04
